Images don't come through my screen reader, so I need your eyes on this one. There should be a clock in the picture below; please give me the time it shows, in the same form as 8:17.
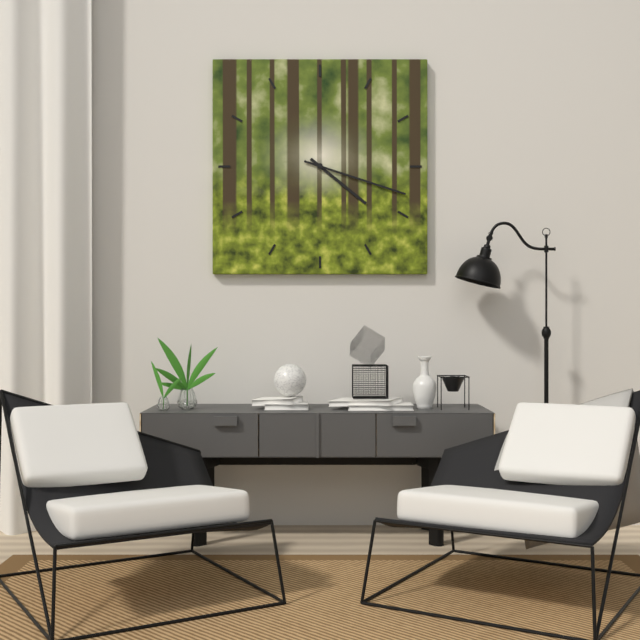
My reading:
4:18
